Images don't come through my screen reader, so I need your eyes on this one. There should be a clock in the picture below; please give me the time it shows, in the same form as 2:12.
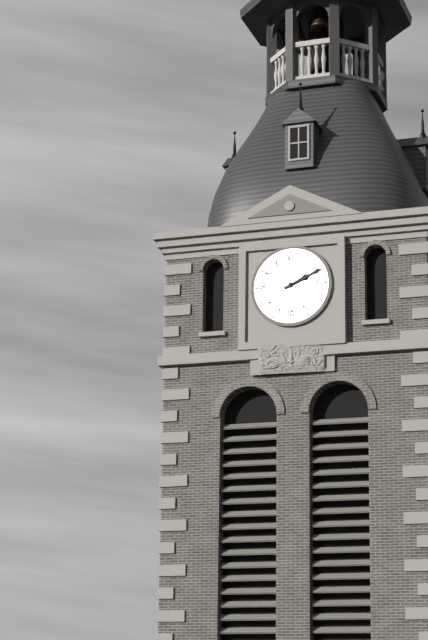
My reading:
2:11
